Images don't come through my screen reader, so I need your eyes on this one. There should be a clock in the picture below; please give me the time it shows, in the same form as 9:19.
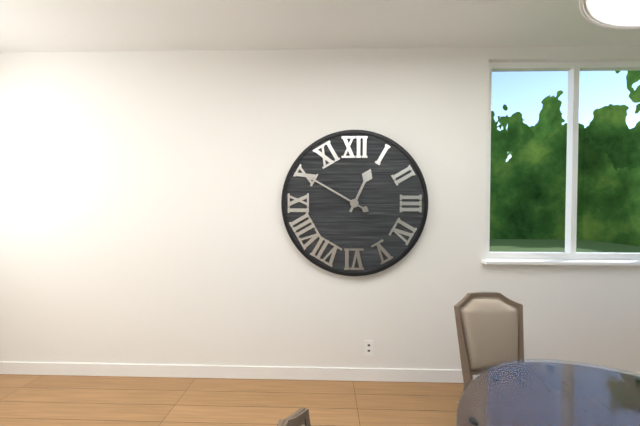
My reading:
12:50
